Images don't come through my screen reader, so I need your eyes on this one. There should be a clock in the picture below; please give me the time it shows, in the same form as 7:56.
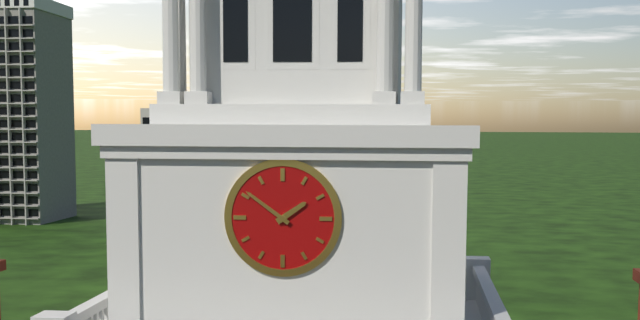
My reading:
1:51
